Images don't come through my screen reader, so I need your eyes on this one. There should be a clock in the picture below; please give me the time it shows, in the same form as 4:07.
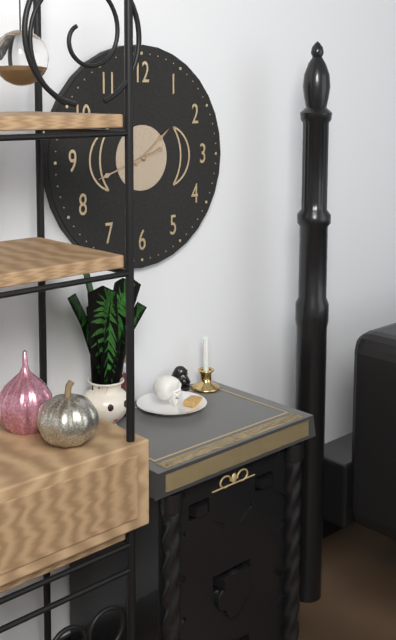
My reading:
1:42
